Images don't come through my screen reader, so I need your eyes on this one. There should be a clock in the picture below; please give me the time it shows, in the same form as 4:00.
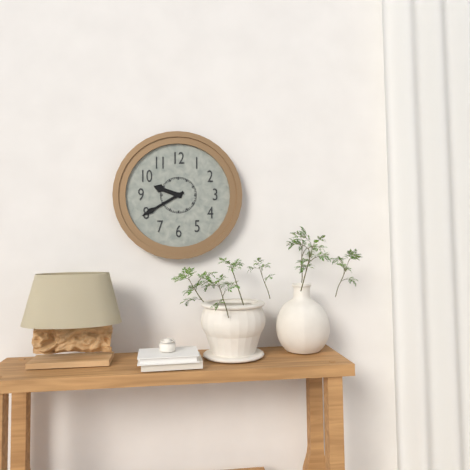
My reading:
9:40
